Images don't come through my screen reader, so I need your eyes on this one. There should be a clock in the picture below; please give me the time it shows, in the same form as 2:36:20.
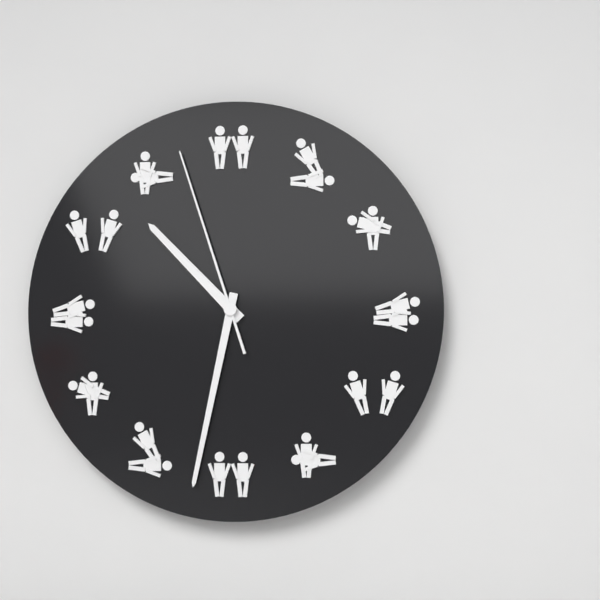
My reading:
10:32:57
